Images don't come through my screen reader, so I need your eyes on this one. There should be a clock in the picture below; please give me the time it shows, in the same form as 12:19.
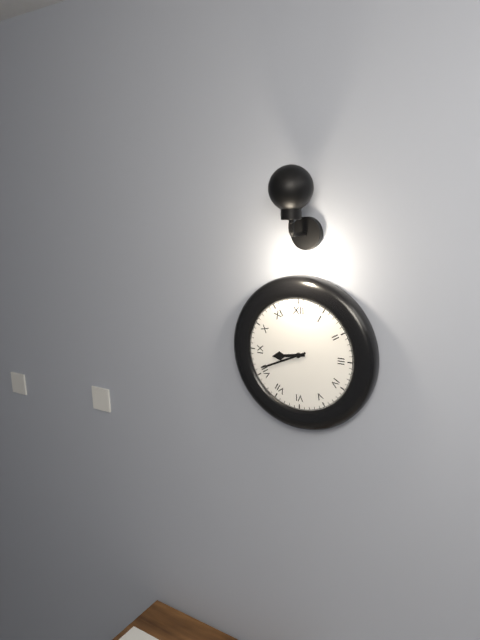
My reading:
8:41
